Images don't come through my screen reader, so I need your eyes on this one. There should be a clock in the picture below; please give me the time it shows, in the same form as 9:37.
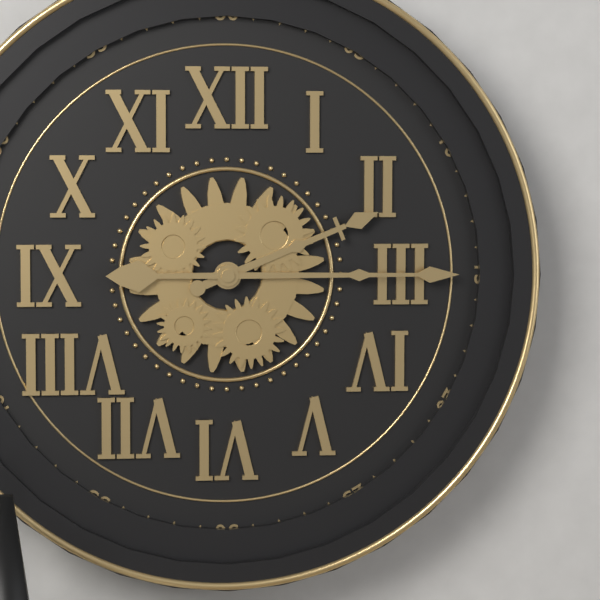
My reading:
2:15
